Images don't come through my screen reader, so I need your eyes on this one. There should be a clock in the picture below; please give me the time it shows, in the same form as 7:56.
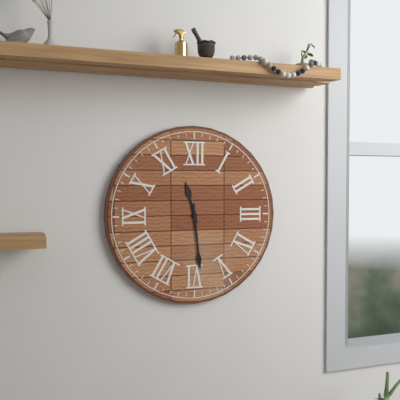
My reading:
11:29
